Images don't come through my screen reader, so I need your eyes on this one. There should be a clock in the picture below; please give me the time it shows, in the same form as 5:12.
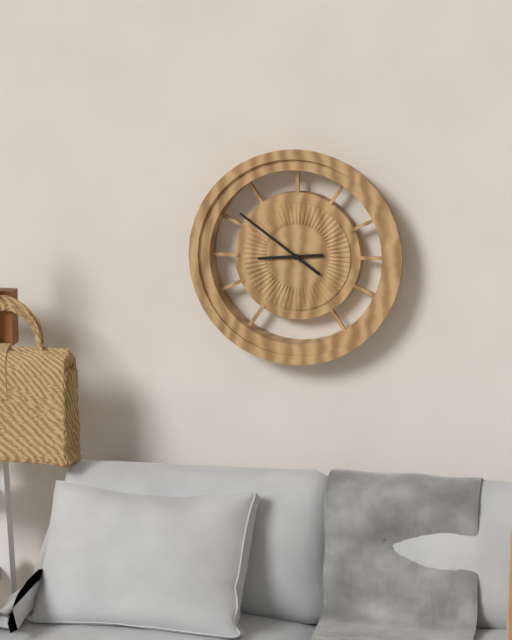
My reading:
8:51
